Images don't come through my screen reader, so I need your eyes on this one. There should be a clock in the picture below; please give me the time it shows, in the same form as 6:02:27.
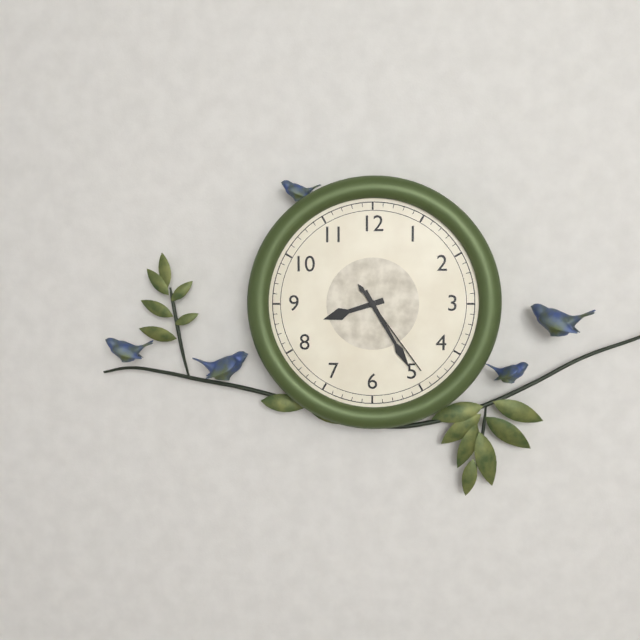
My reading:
8:25:24
